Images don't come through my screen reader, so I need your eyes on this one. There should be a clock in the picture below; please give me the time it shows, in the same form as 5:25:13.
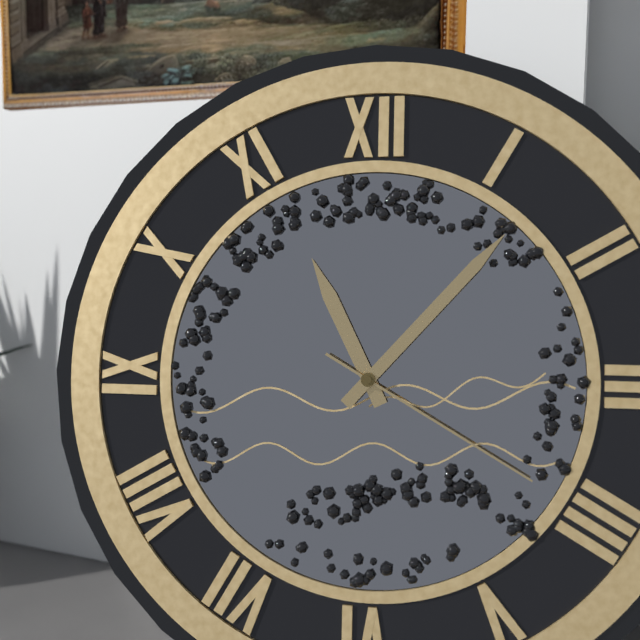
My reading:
11:07:20
